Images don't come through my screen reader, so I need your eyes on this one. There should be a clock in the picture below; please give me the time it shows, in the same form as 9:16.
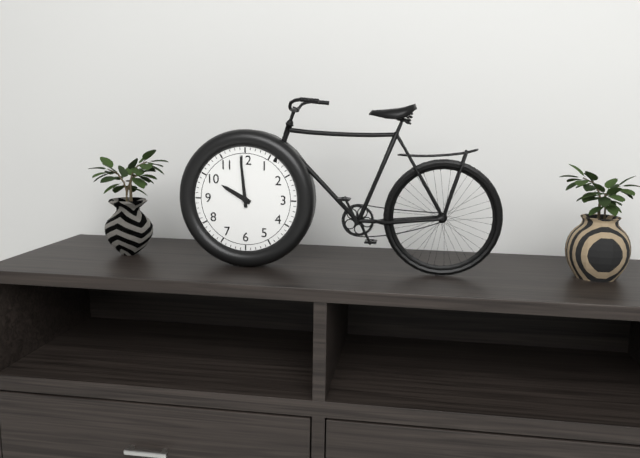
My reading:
9:59
